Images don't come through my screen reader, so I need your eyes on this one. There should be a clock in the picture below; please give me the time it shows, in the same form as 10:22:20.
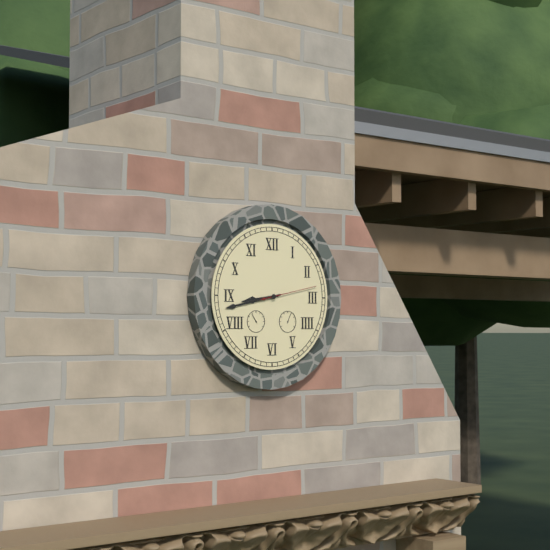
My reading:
8:43:13
